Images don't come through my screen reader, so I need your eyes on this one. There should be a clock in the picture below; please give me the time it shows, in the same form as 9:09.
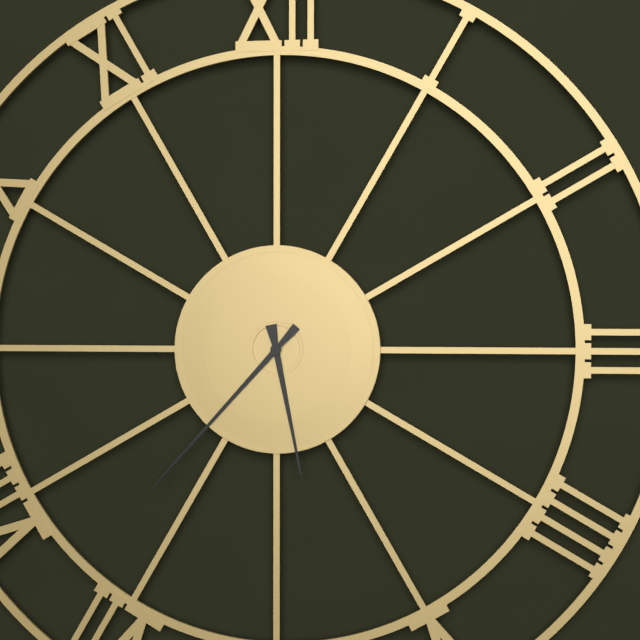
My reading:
5:37
